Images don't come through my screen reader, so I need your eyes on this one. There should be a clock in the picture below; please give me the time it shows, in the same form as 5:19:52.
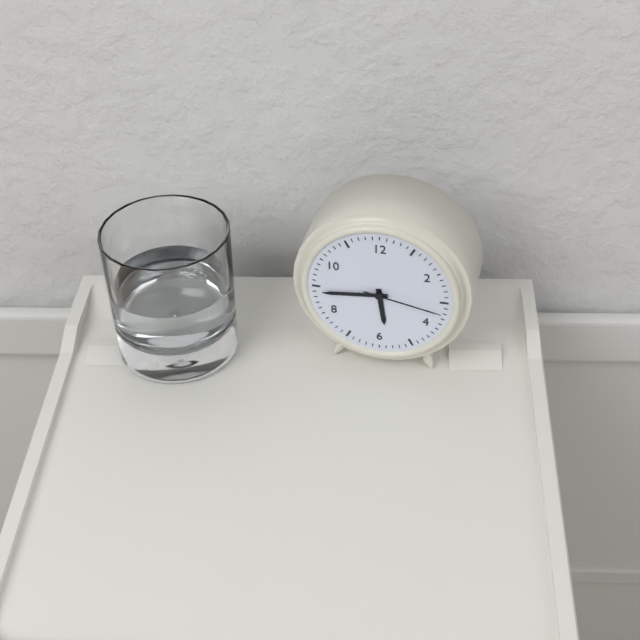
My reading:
5:44:17
